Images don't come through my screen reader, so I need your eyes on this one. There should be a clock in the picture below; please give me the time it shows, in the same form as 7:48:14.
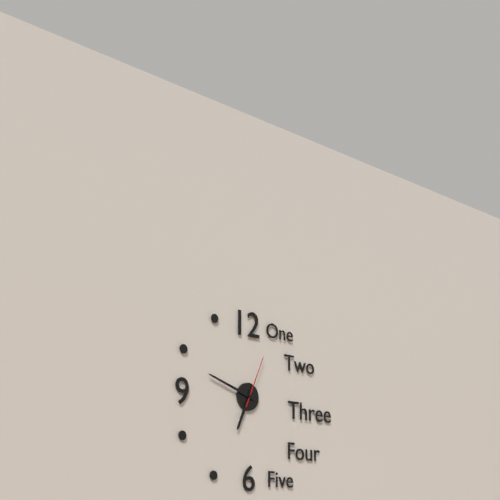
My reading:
6:48:04
